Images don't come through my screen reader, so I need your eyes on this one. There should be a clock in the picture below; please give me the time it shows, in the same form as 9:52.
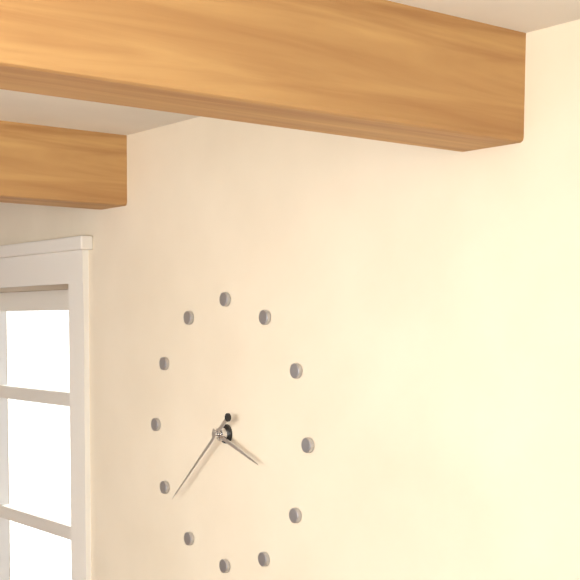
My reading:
3:38
